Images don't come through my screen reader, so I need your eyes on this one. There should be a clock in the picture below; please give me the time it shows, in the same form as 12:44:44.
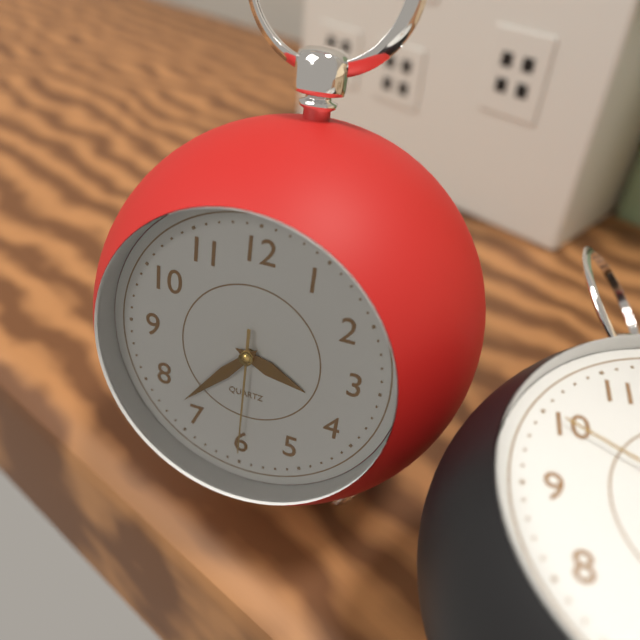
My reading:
3:37:30
